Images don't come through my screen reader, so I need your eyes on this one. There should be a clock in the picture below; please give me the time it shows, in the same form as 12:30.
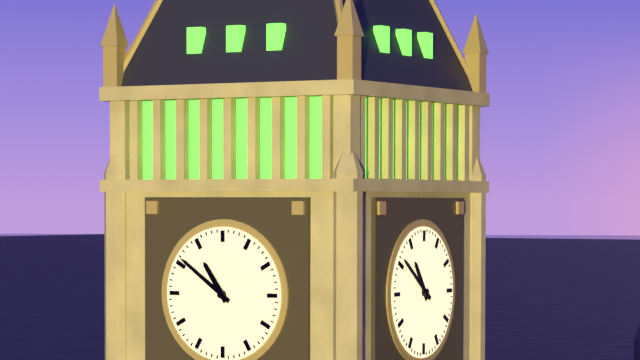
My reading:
10:51
